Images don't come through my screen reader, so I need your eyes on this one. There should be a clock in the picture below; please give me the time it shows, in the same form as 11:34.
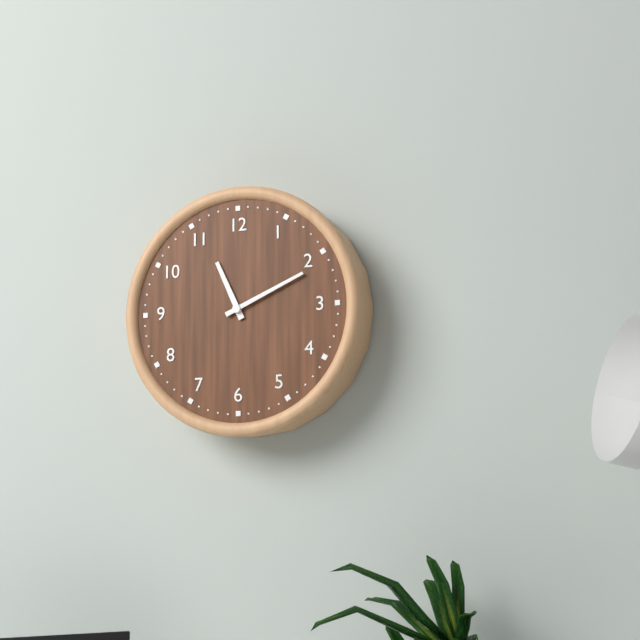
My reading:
11:11
